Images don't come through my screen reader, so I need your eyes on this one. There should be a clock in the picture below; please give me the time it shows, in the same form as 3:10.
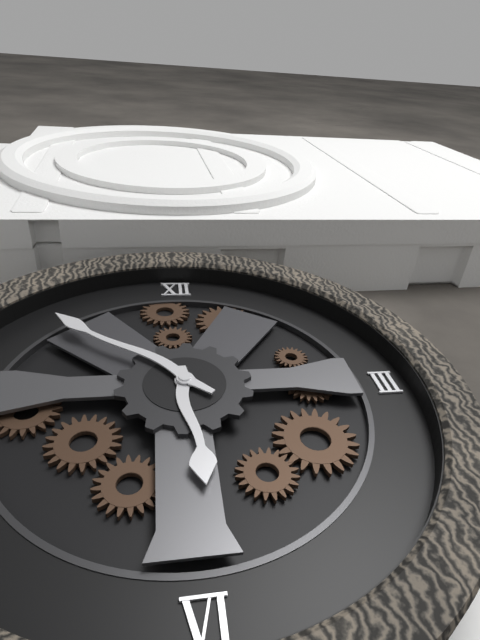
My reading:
5:52
